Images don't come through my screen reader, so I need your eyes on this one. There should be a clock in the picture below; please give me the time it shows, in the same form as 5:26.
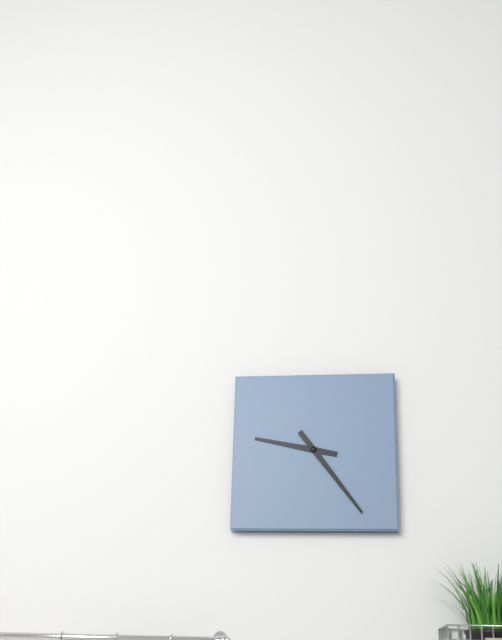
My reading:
9:24
